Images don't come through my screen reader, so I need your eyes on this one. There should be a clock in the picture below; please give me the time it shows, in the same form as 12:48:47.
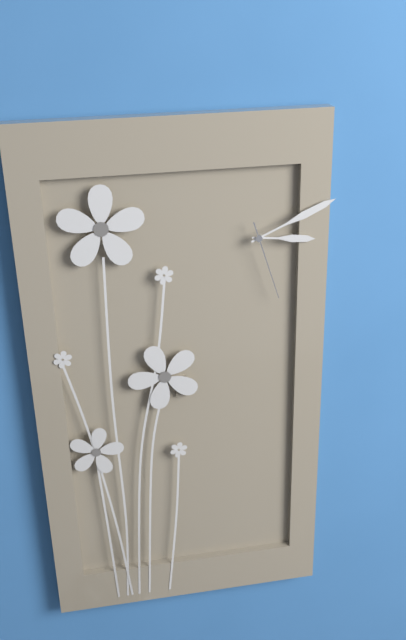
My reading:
3:11:27
